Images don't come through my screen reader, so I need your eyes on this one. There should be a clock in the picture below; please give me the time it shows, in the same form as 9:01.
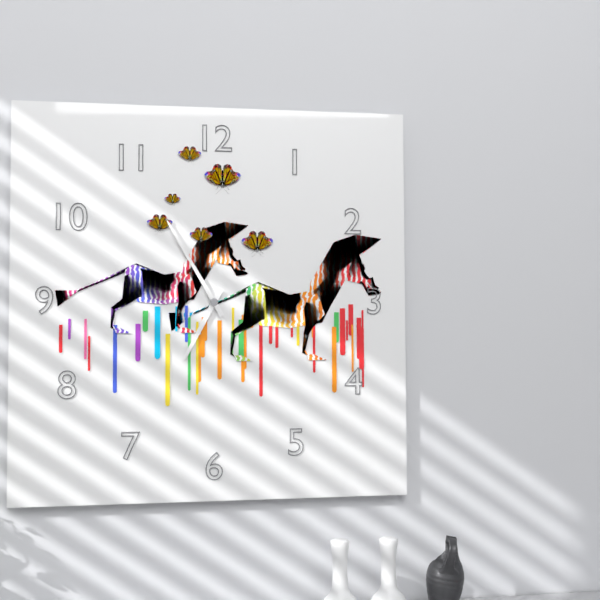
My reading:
6:55
